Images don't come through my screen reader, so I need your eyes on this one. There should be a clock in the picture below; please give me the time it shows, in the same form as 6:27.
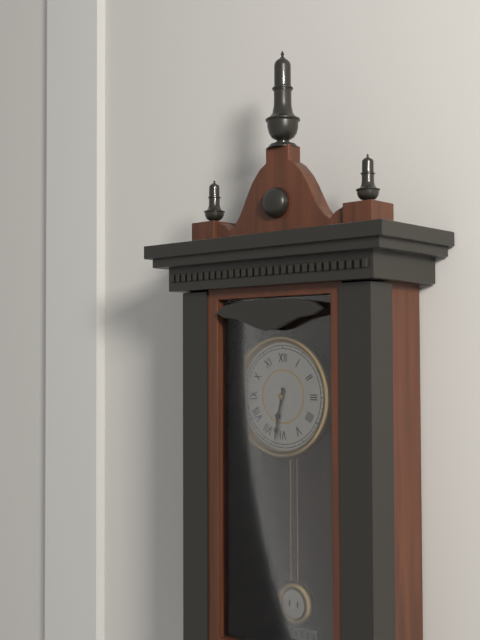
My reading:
6:32
